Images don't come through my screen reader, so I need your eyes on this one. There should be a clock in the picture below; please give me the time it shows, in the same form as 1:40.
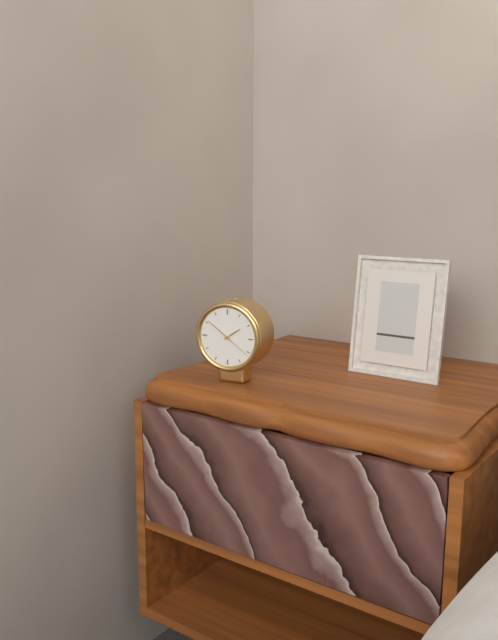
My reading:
1:51
